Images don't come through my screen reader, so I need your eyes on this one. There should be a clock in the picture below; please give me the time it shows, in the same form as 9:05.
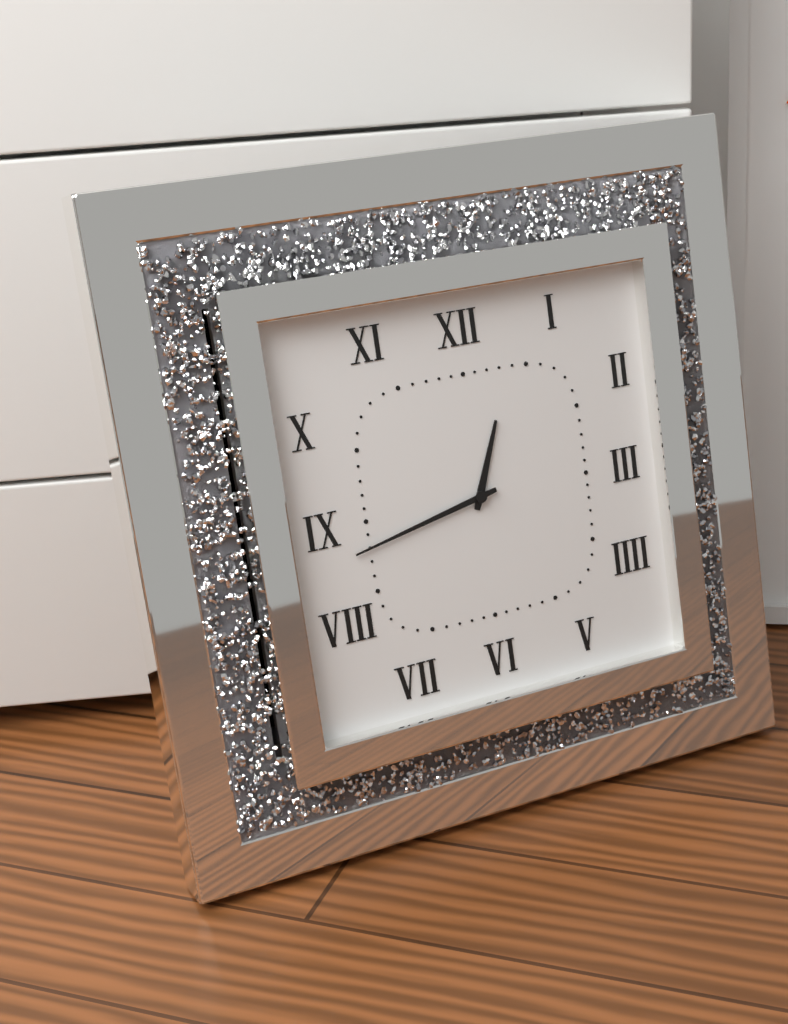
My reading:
12:43
